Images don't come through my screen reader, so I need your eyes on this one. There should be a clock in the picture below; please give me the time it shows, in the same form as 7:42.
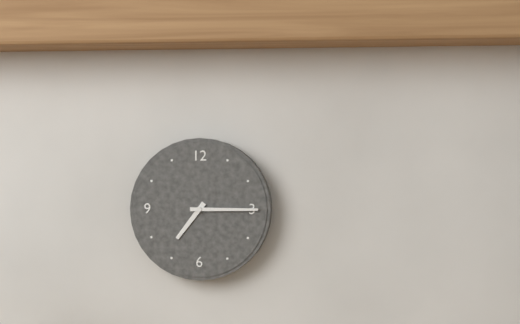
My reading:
7:15
